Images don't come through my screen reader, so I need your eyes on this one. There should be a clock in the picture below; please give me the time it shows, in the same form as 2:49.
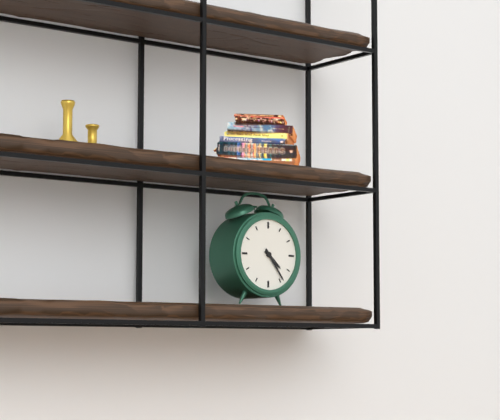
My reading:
4:24
